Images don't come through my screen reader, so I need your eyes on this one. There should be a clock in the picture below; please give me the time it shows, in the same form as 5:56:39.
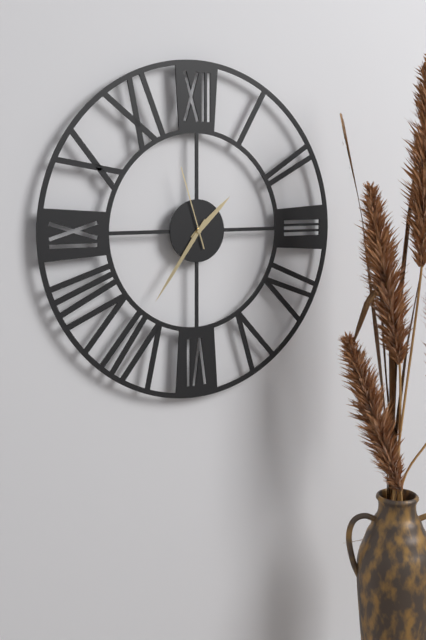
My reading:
1:36:57
